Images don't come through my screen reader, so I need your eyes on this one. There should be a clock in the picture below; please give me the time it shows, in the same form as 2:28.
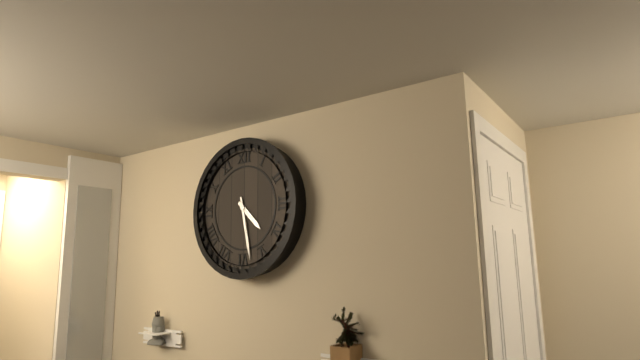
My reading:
4:28
